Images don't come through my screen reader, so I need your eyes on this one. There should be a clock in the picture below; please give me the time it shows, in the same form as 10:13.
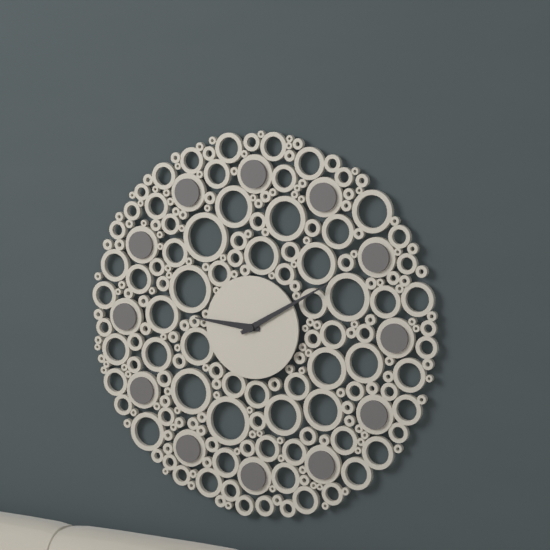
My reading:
9:10
